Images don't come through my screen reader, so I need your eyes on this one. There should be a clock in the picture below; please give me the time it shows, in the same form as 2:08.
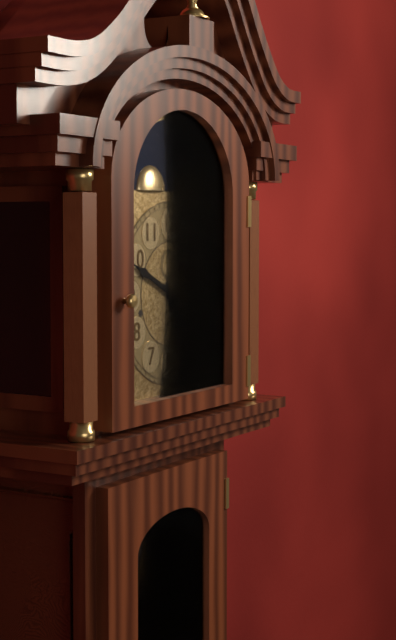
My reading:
4:49
